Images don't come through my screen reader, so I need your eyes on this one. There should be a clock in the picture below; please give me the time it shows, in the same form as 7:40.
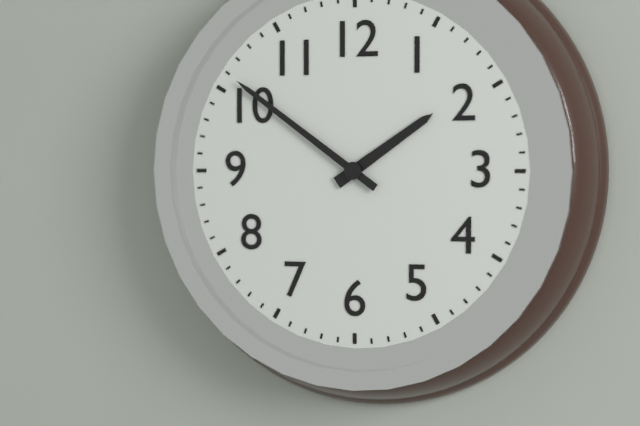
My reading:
1:51
